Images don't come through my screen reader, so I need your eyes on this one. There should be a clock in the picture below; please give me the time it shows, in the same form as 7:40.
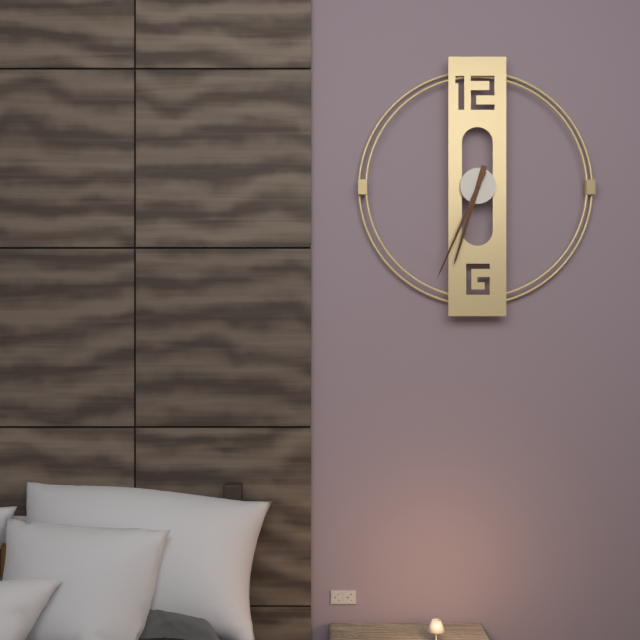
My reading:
6:34
